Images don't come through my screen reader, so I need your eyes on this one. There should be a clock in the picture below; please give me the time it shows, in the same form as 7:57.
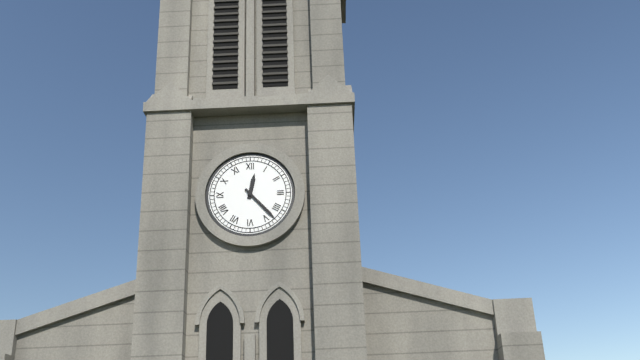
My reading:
12:23
